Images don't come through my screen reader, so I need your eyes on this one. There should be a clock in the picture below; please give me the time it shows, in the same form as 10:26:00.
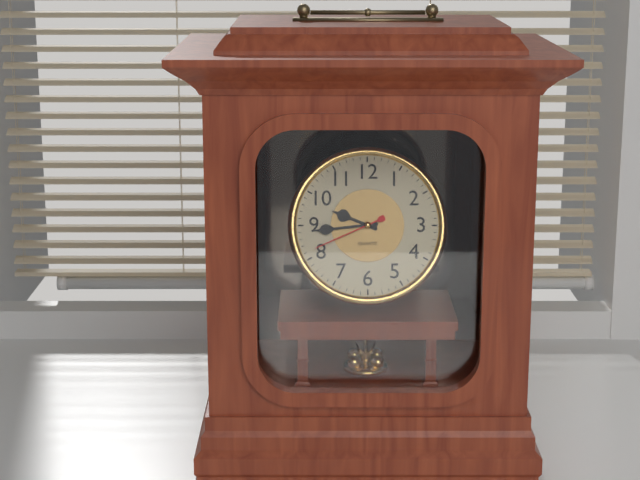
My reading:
9:44:41
